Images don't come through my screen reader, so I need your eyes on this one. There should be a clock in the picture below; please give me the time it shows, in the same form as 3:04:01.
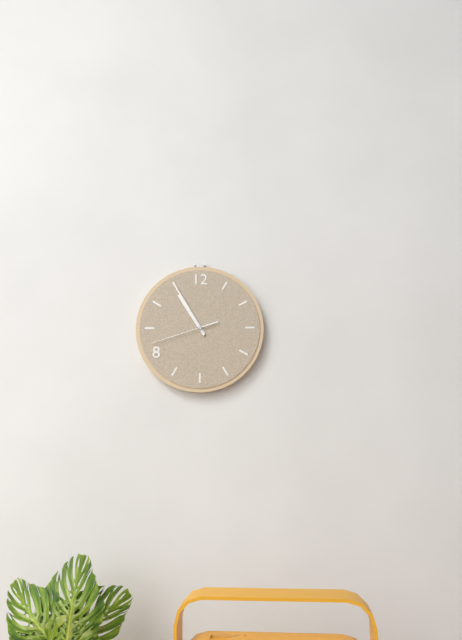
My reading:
10:55:42
